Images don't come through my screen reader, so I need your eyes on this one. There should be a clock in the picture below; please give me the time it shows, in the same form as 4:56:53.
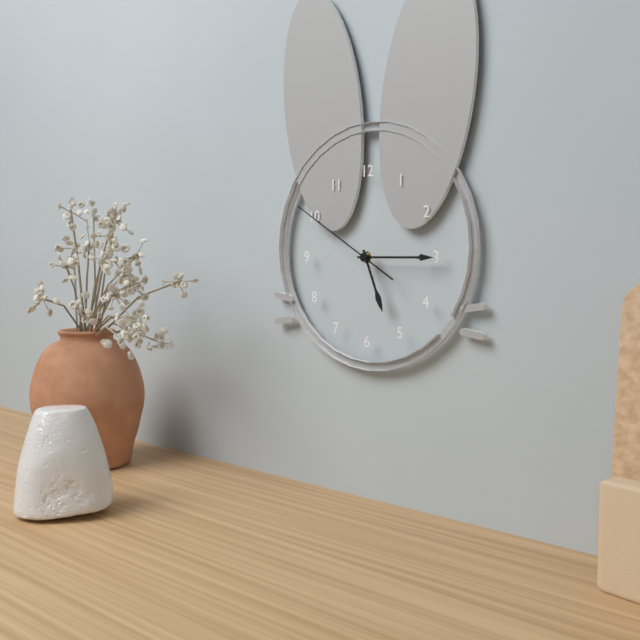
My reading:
5:15:50
